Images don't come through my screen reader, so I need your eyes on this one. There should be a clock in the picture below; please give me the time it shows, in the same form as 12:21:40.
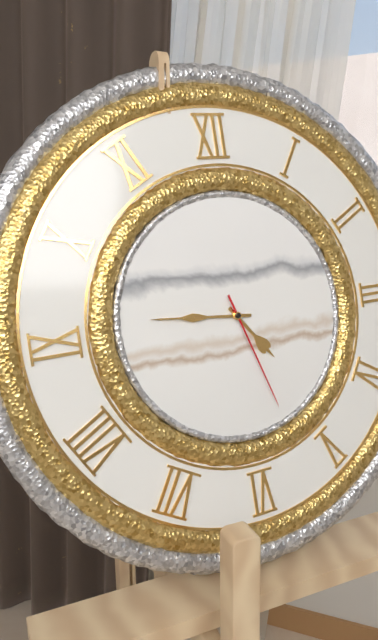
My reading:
4:46:27
